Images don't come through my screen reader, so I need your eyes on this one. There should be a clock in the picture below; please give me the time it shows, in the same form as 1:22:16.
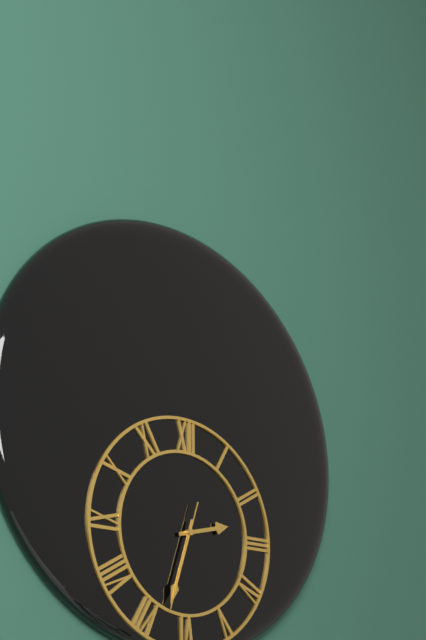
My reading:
2:33:33
